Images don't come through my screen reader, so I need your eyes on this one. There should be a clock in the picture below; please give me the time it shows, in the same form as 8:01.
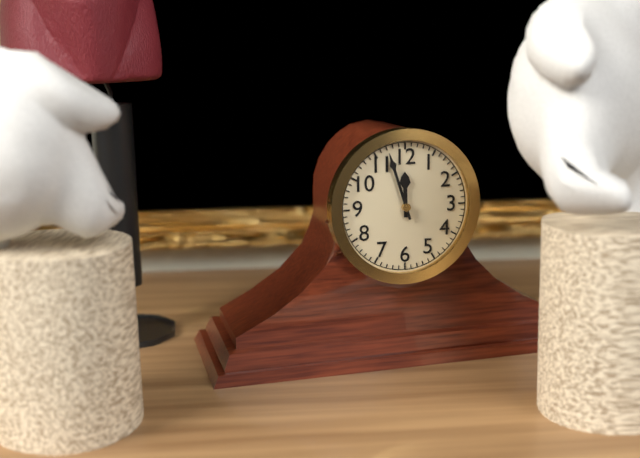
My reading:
11:57
